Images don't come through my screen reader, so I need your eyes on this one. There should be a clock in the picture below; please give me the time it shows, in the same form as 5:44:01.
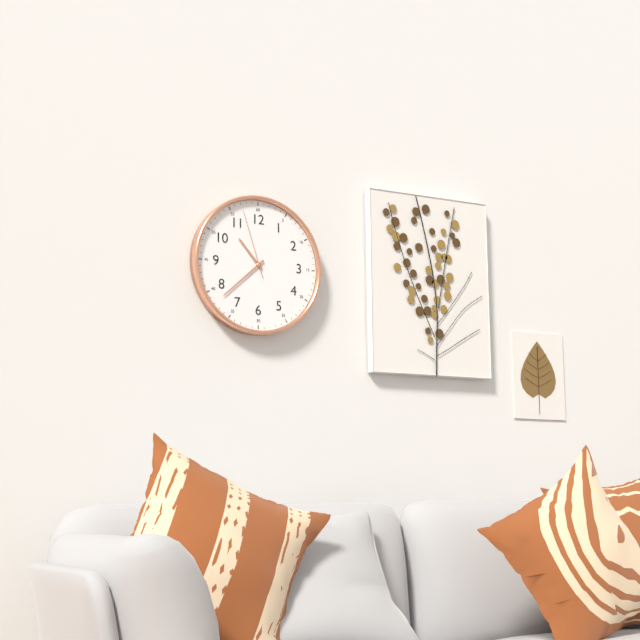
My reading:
10:38:57
